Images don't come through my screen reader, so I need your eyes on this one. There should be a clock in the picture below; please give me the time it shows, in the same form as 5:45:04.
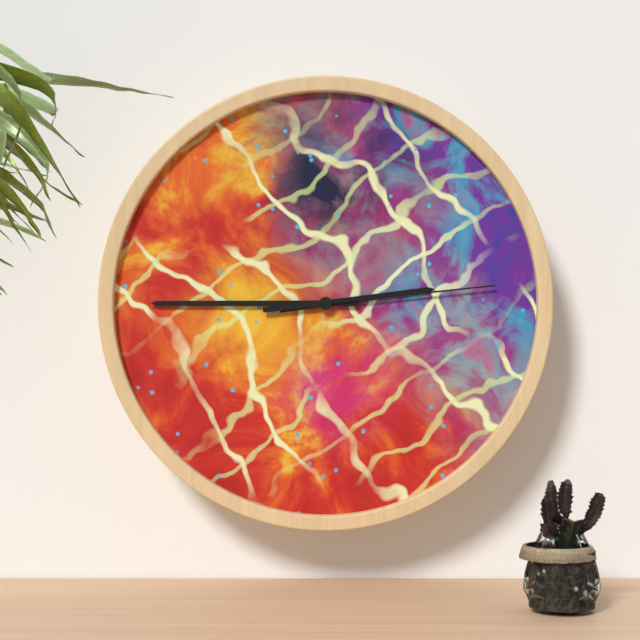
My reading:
2:45:14
